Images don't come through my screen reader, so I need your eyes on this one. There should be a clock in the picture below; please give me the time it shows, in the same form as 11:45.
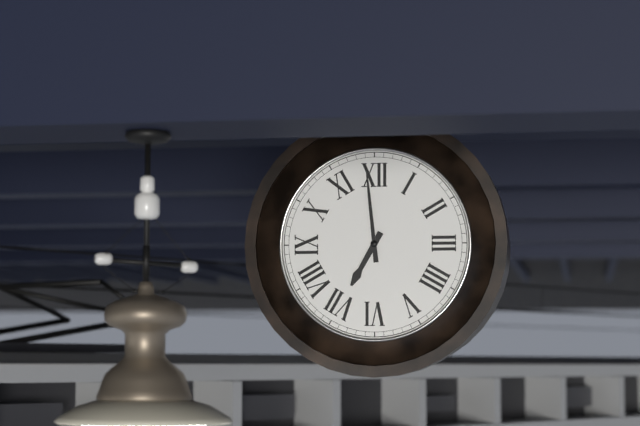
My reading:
6:59
